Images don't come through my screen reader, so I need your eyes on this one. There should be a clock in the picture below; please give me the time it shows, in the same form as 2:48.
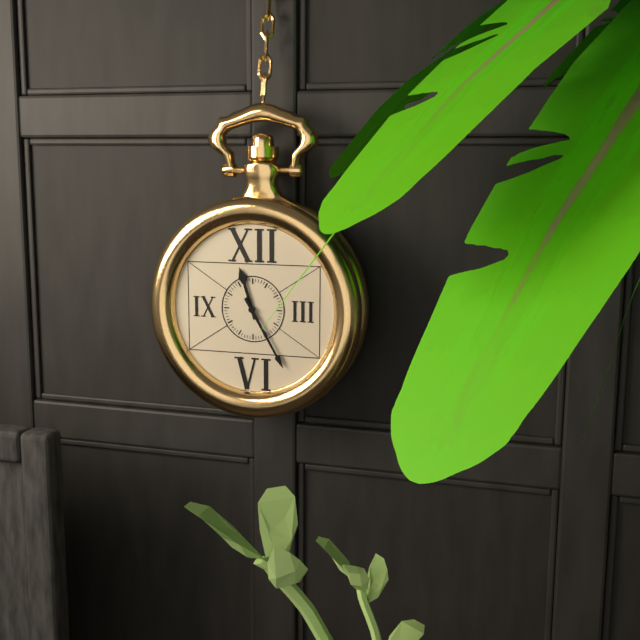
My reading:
11:25
